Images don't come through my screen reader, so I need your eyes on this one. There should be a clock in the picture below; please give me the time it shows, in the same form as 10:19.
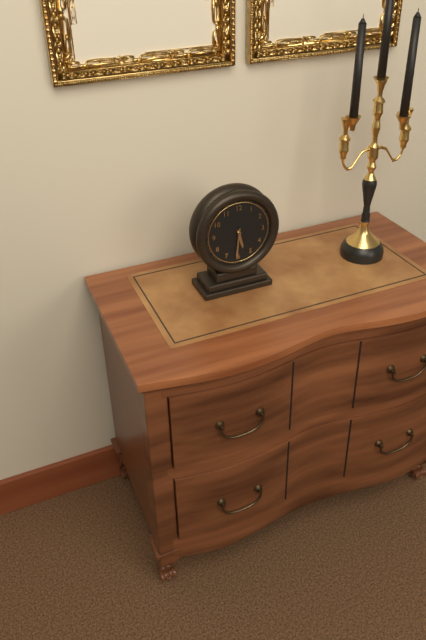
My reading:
5:31
